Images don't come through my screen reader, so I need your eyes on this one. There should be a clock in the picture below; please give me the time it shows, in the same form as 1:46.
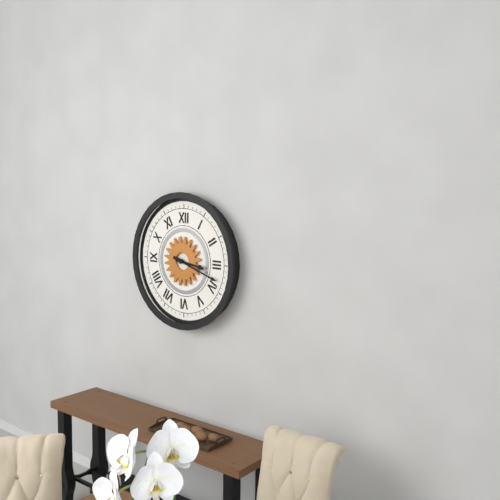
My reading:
3:18
